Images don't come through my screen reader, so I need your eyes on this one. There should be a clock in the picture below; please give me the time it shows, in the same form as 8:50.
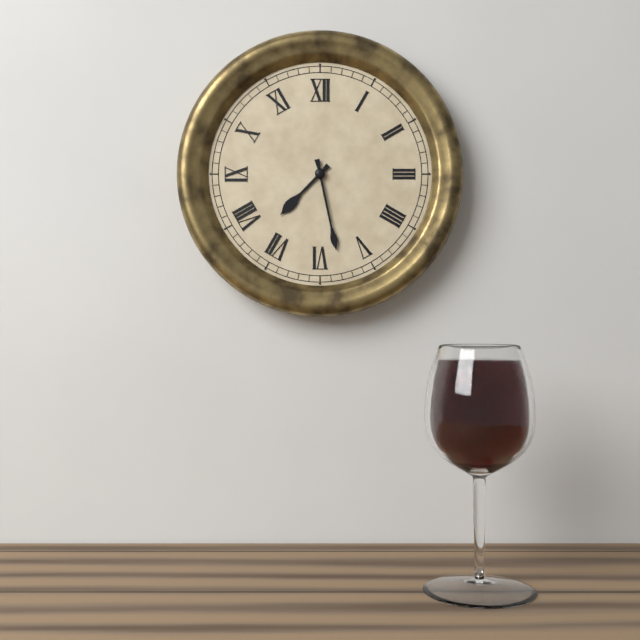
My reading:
7:28
